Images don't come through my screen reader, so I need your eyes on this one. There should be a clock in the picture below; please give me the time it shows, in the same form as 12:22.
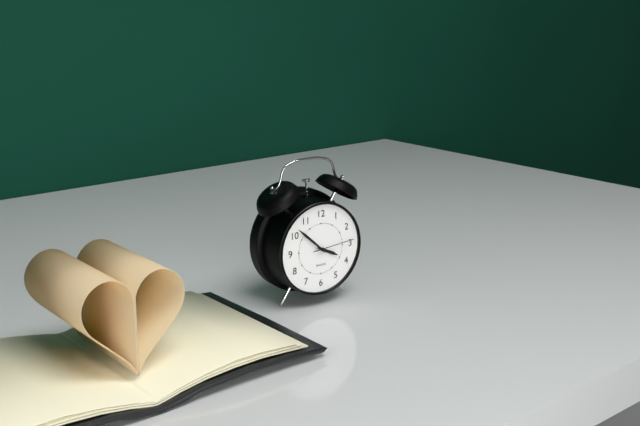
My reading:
3:52
